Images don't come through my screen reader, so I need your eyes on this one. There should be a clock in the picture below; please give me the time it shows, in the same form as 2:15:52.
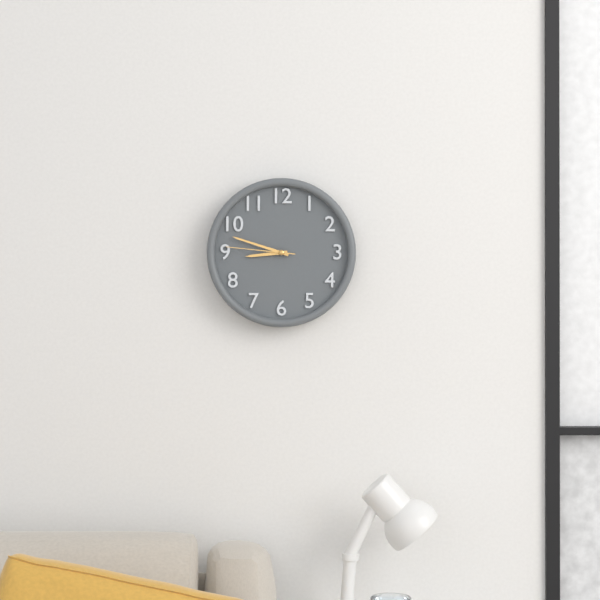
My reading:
8:48:46
